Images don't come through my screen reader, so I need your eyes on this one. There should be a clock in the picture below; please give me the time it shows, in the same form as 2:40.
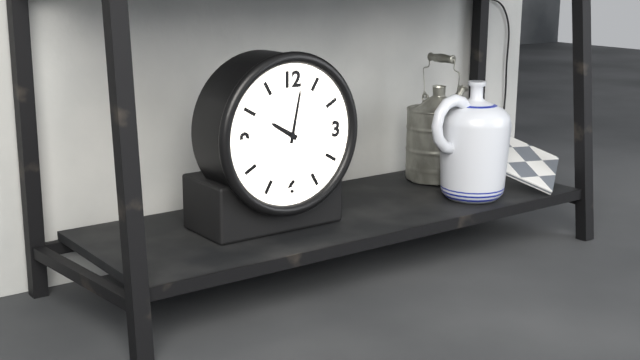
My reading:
10:02
